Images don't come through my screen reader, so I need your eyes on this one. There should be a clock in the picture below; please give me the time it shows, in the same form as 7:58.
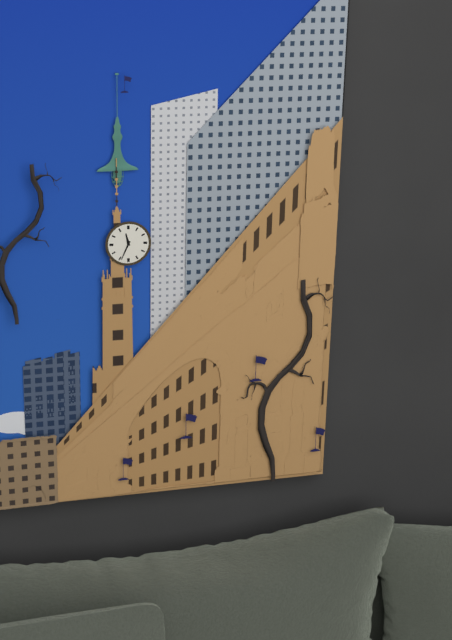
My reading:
11:34
